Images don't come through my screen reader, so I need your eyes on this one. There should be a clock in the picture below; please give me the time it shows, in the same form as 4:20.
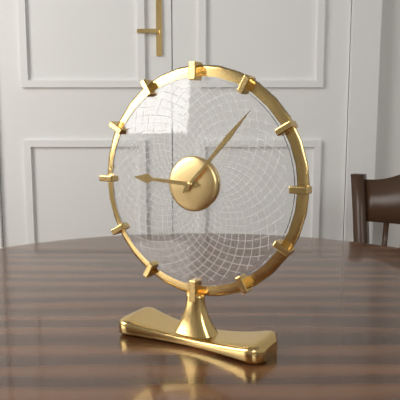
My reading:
9:07
